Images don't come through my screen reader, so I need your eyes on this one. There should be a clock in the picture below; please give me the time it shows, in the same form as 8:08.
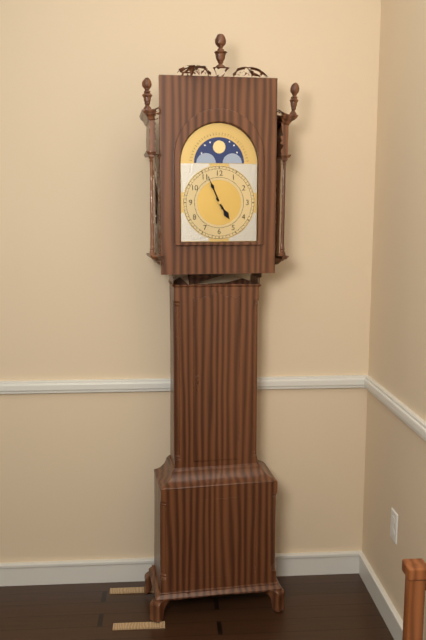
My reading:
4:56
